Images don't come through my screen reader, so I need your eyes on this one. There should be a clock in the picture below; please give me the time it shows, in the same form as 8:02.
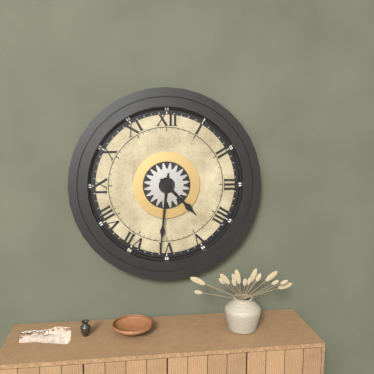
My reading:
4:31
